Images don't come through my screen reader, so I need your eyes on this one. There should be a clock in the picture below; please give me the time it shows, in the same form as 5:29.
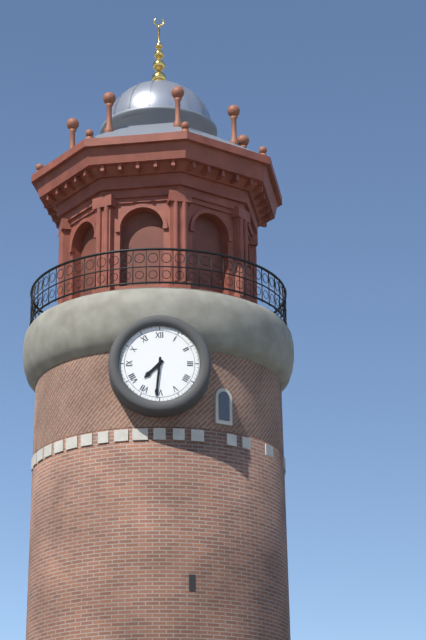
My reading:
7:31
